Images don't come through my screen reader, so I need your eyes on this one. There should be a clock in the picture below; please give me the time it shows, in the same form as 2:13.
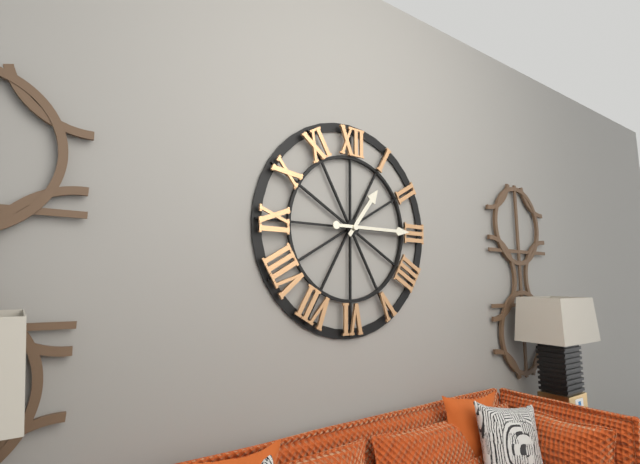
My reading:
1:15
